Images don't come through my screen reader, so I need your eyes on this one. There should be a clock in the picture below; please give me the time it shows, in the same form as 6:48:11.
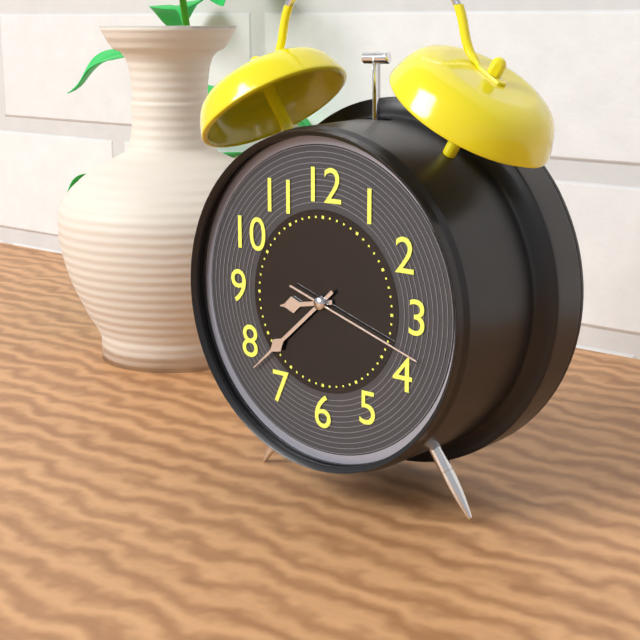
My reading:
8:38:18
